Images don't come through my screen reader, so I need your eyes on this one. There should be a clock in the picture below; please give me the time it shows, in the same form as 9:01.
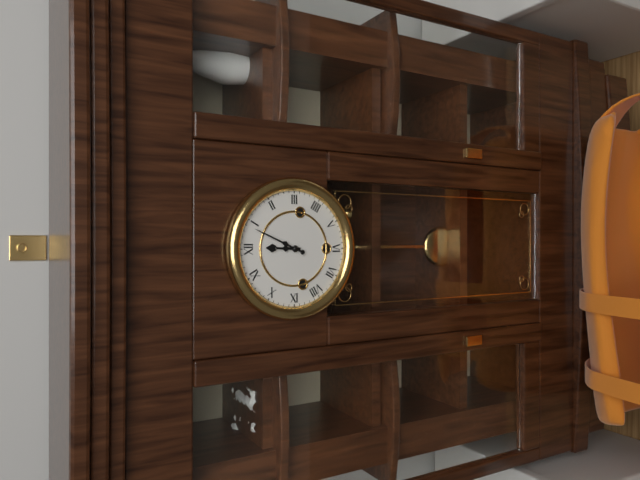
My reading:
12:04
